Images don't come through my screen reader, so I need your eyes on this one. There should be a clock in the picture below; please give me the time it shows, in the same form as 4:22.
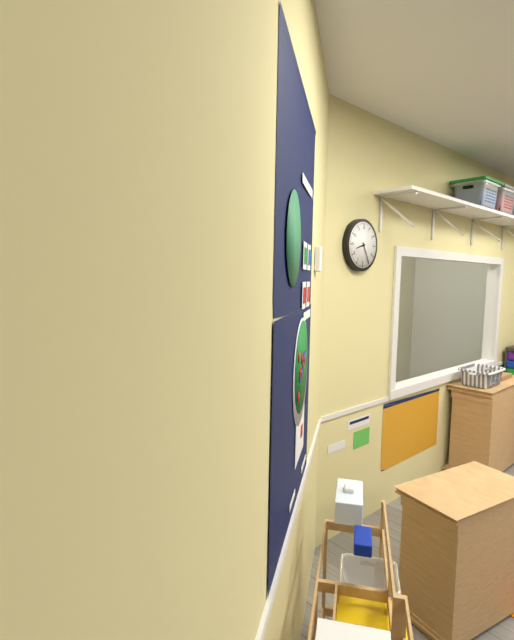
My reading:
8:25
